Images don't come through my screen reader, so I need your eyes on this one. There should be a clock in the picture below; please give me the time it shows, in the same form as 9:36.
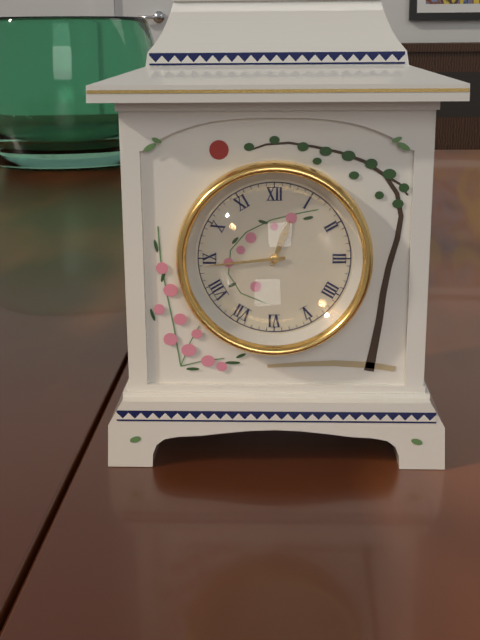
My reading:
12:44
